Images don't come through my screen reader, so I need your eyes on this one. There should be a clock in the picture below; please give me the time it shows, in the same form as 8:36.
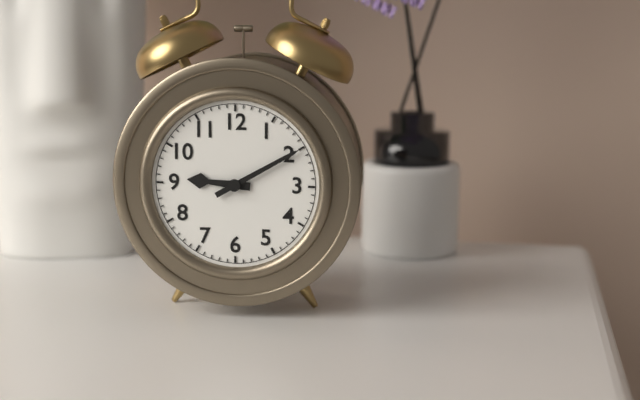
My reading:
9:10
